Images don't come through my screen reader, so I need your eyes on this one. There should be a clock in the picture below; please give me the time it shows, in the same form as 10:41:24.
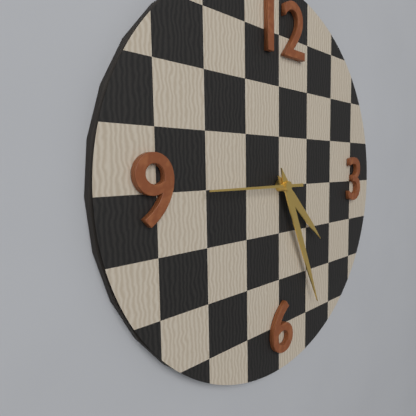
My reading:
4:26:45
